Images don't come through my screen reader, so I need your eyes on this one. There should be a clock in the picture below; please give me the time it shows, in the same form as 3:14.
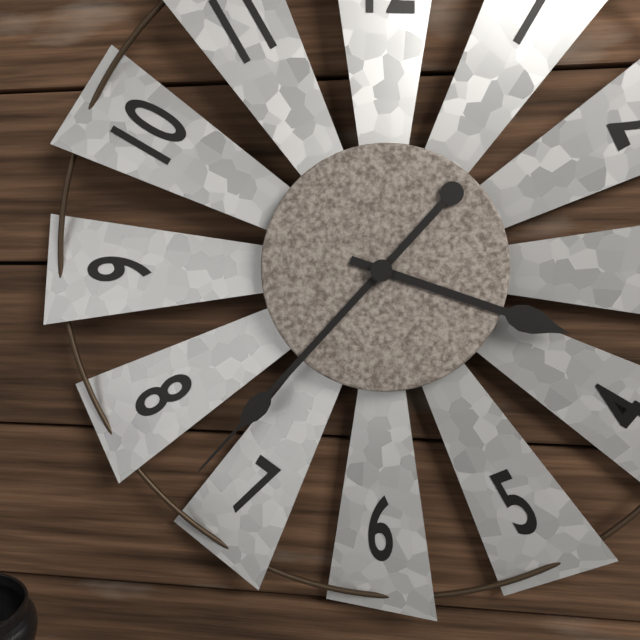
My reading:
3:37
